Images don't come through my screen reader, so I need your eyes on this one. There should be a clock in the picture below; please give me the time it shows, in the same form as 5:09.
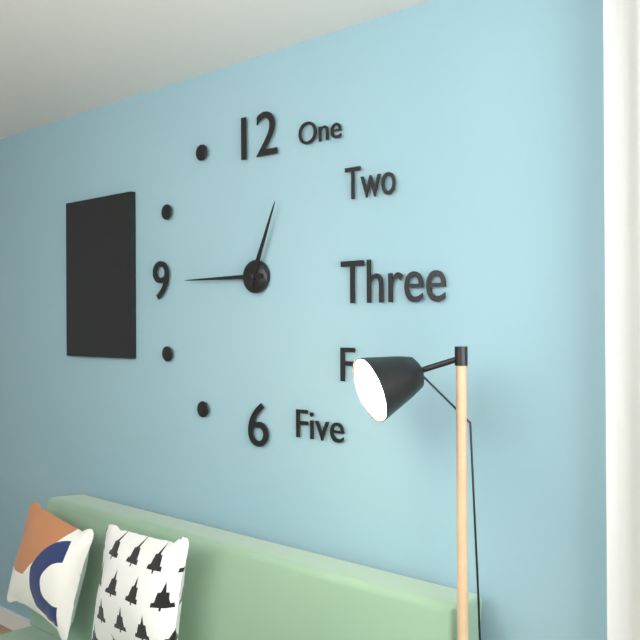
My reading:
12:45
